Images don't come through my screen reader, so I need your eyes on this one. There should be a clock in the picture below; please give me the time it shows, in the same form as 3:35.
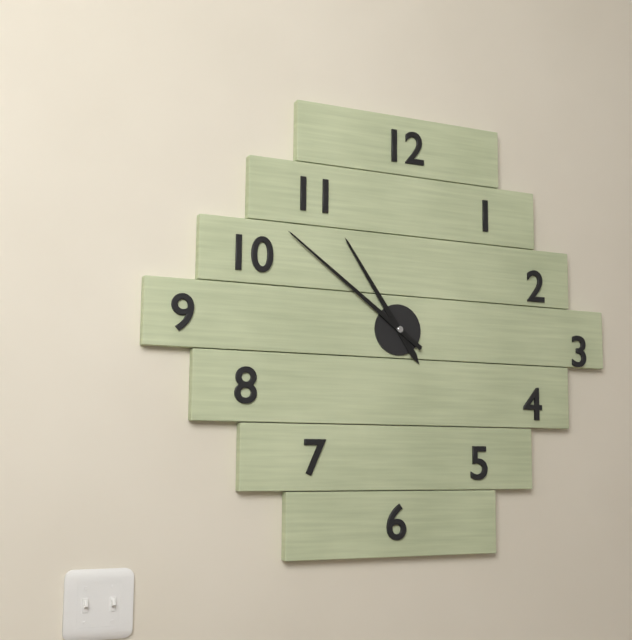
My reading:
10:51
